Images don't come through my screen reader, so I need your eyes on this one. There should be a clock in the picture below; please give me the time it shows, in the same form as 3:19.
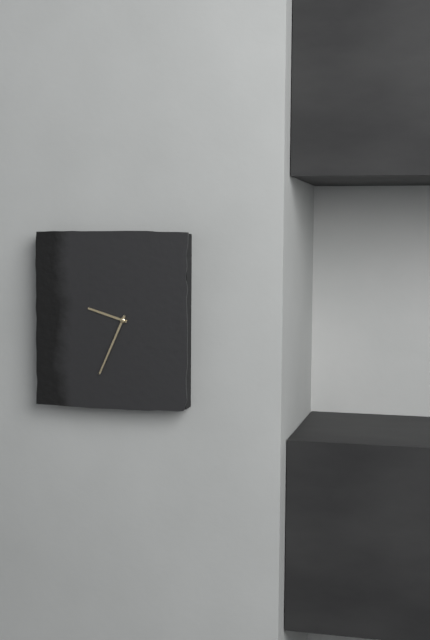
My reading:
9:34
